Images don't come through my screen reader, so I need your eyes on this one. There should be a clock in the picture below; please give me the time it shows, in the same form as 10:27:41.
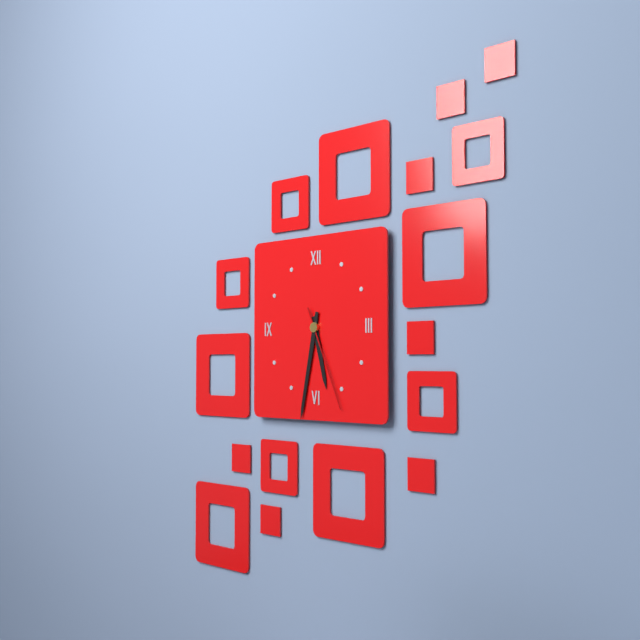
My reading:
5:32:26
